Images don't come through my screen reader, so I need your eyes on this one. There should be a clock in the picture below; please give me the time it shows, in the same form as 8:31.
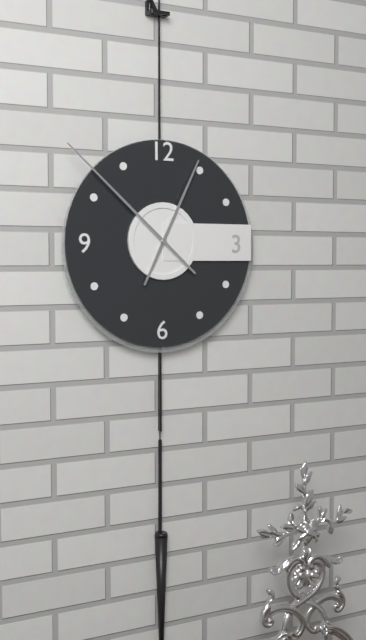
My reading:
12:52
